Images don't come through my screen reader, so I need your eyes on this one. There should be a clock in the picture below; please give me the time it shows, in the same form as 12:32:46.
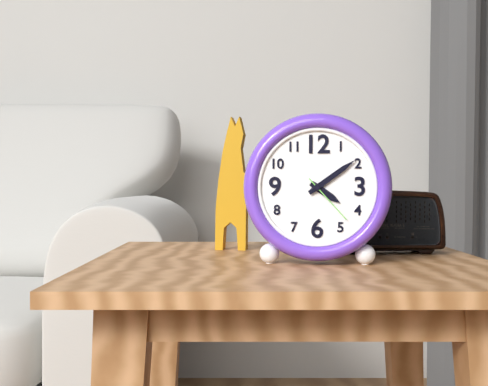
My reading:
4:09:23
